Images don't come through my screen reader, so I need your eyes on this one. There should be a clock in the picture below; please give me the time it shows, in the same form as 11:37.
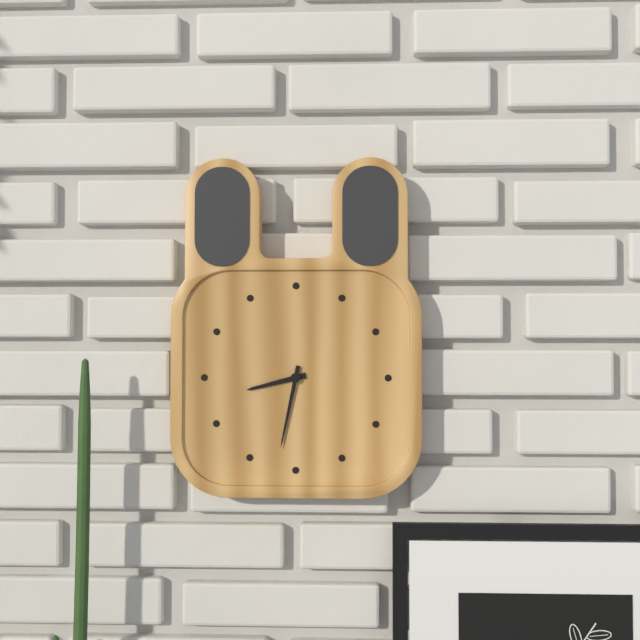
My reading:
8:32
